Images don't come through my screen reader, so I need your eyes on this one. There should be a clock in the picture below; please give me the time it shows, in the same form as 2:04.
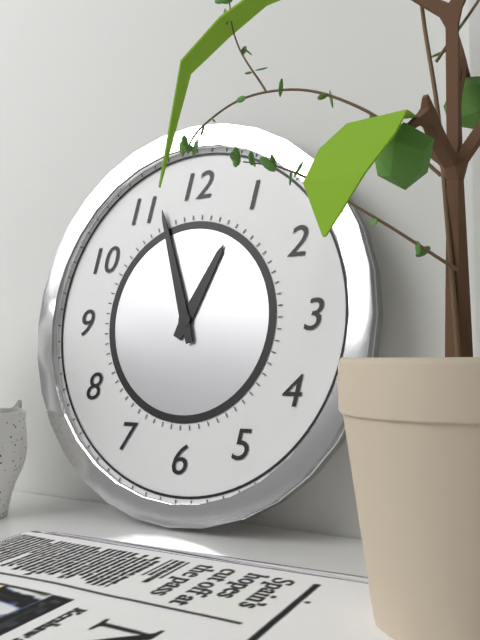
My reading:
12:57
